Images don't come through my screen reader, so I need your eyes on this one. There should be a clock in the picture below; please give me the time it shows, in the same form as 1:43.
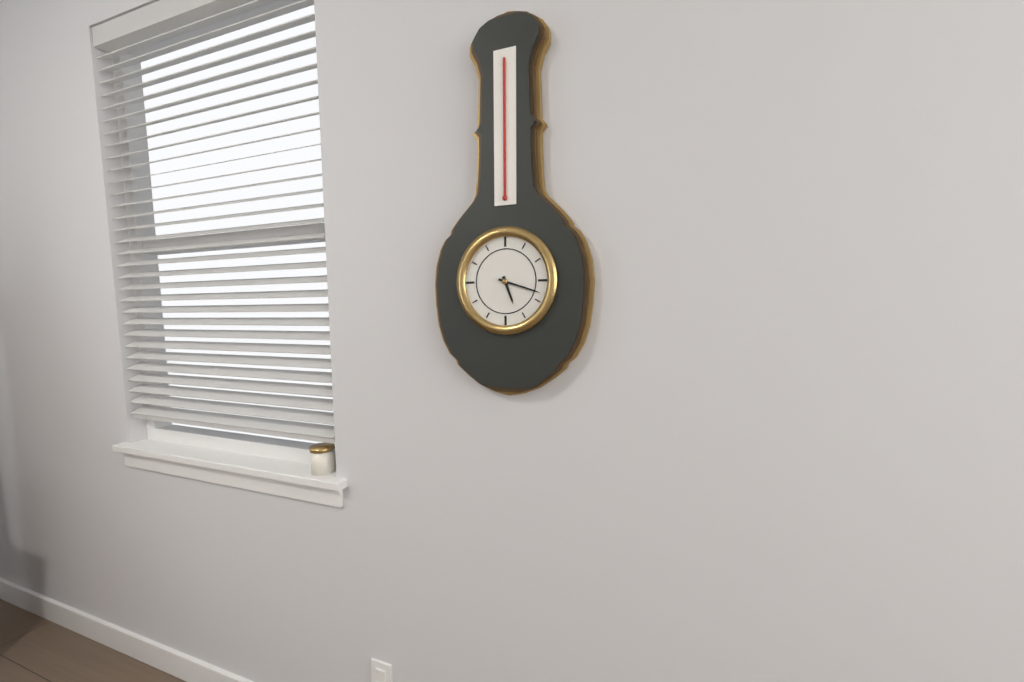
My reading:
5:18
